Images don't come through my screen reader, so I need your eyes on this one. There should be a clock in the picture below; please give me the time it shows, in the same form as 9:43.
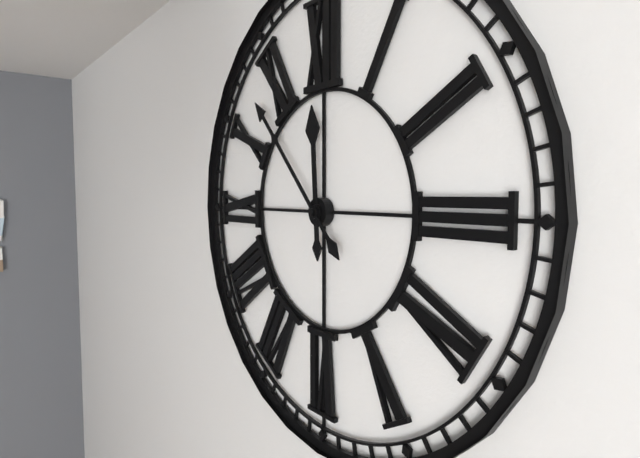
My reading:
11:53
